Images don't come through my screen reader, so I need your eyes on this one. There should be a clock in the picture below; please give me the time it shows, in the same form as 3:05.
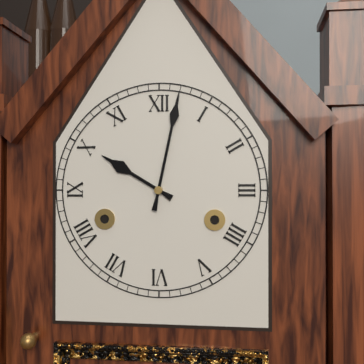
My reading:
10:02
